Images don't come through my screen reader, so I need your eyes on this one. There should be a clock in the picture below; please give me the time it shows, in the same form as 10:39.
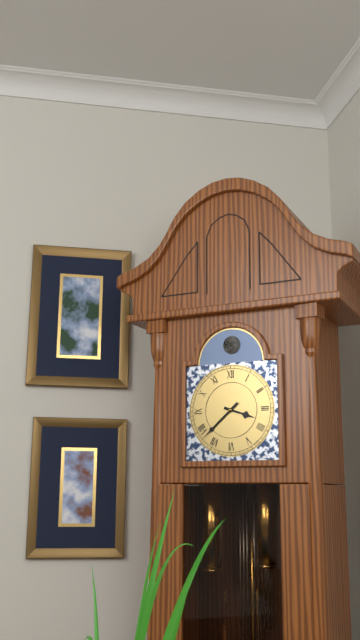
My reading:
3:38
